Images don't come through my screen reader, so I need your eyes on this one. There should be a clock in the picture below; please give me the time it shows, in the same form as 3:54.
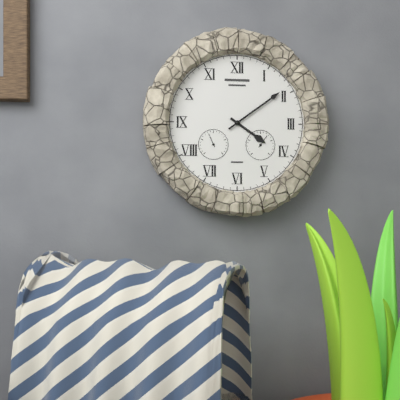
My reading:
4:09
